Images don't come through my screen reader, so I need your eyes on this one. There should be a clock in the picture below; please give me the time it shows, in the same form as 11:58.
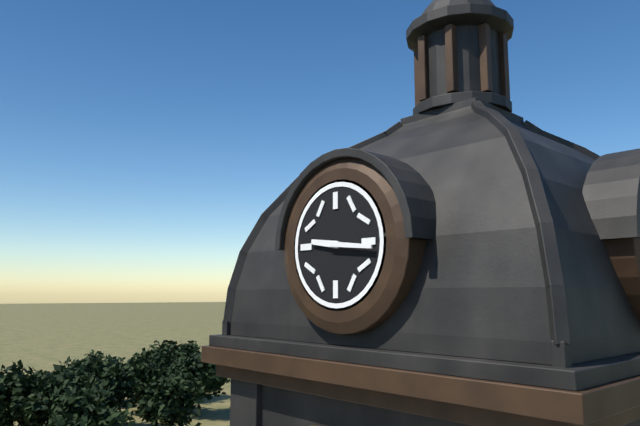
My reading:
9:16
